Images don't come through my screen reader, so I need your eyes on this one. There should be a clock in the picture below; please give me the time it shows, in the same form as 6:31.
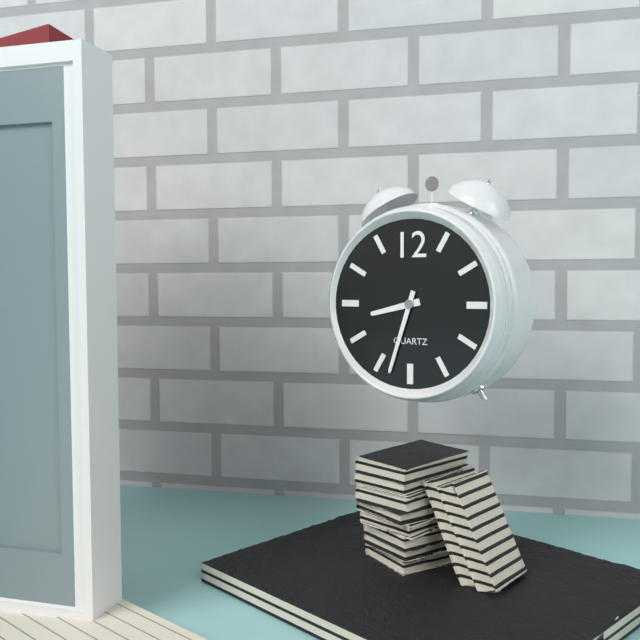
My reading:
8:33
